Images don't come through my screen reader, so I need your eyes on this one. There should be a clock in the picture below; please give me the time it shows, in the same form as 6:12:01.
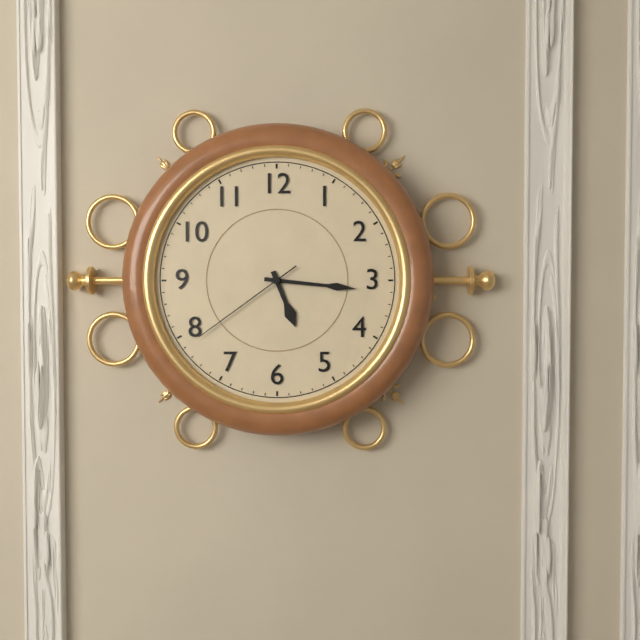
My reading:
5:16:39
